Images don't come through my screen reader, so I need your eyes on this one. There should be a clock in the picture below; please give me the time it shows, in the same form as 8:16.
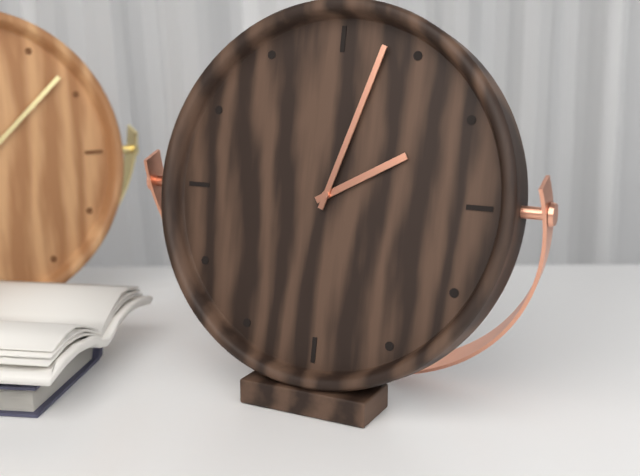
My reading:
2:03
